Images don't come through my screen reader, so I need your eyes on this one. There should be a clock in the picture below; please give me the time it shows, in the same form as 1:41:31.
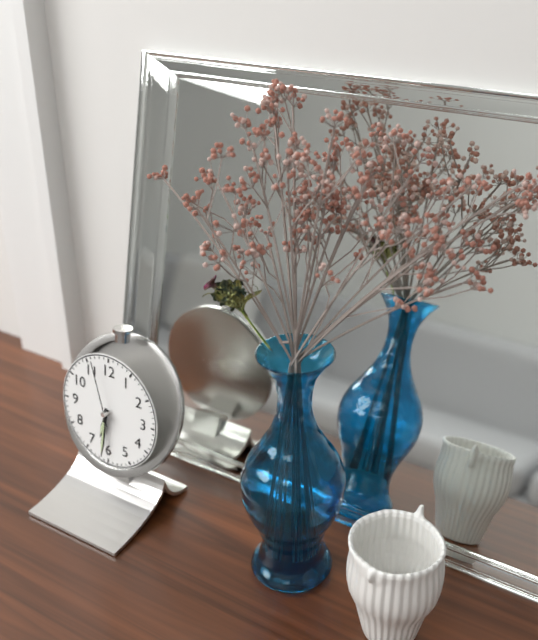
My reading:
6:31:57
